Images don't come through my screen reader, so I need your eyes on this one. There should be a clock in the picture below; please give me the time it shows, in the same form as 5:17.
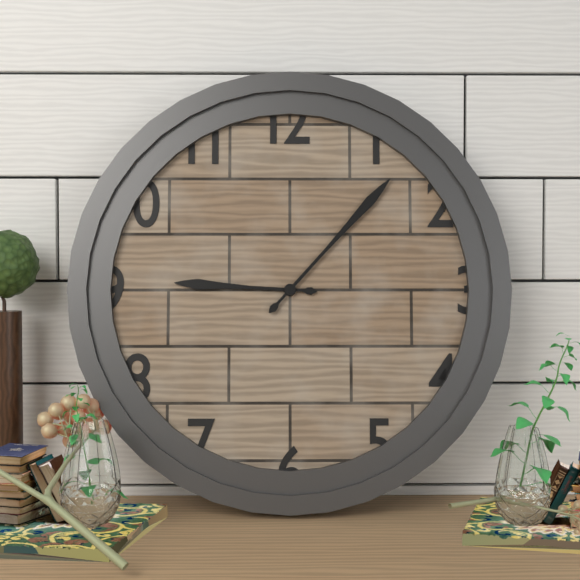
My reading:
9:07
